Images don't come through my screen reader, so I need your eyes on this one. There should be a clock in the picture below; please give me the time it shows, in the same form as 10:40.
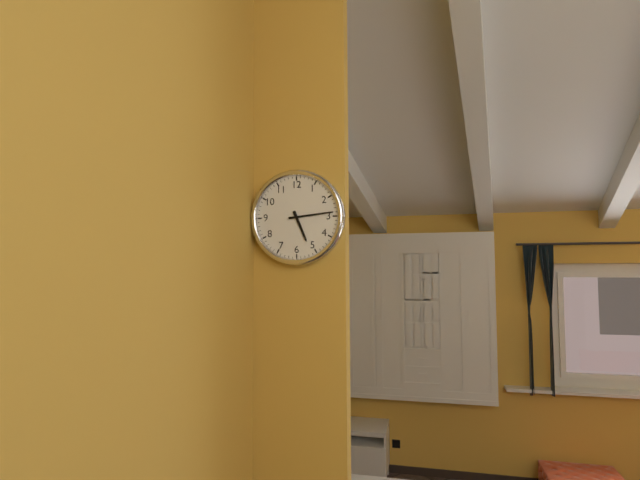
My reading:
5:14
